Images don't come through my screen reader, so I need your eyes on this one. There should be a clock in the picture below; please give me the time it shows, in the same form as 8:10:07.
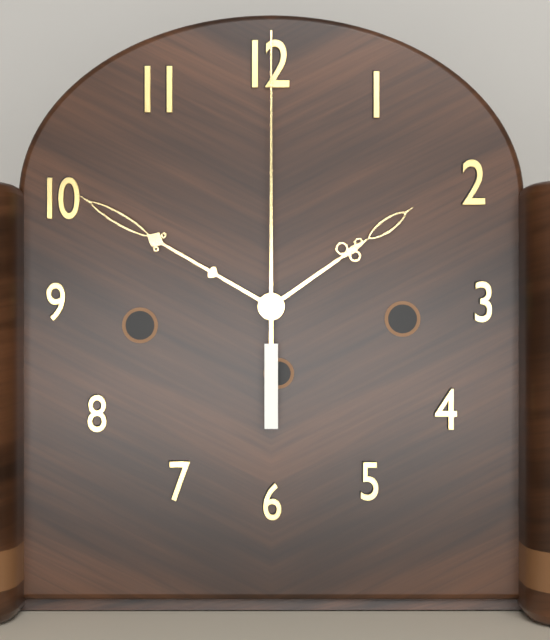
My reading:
1:50:00
